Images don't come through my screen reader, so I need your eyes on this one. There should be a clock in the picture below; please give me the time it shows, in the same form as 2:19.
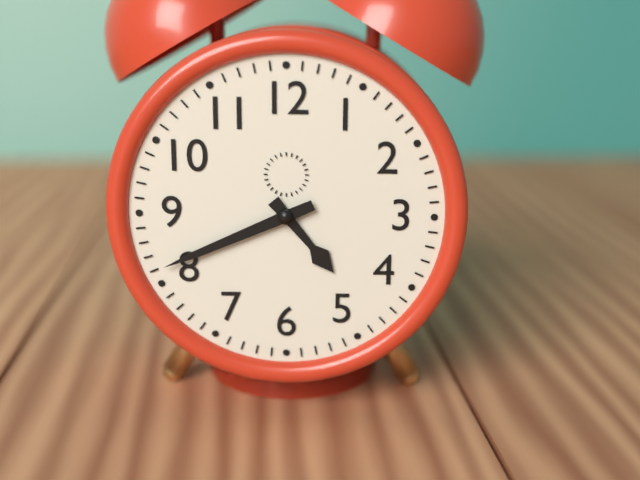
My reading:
4:41
